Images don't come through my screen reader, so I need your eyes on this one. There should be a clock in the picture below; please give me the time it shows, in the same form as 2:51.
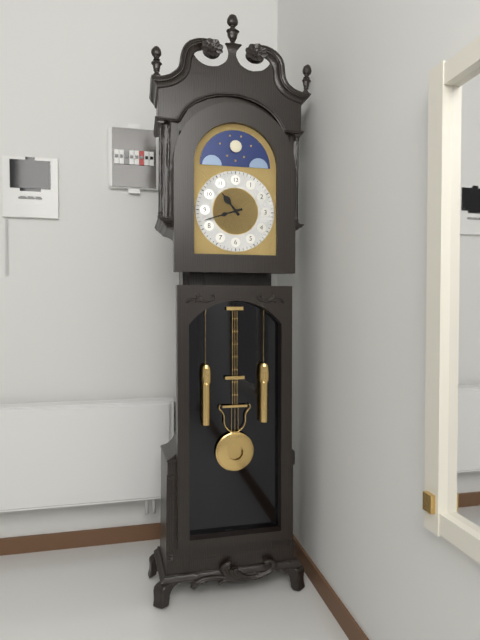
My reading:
10:42
